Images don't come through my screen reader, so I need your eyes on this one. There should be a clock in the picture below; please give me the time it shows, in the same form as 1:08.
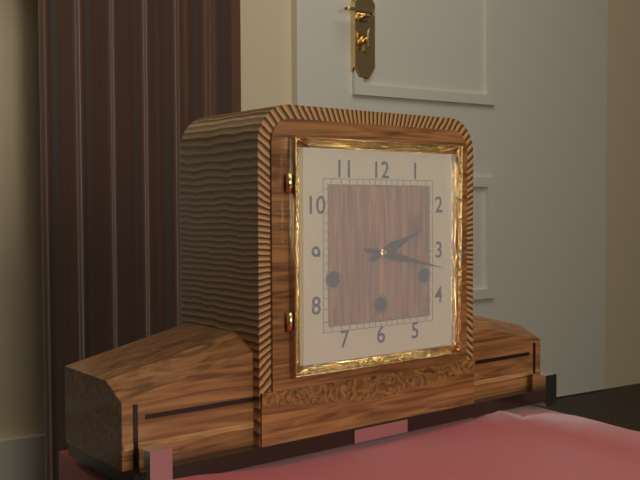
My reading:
2:17
